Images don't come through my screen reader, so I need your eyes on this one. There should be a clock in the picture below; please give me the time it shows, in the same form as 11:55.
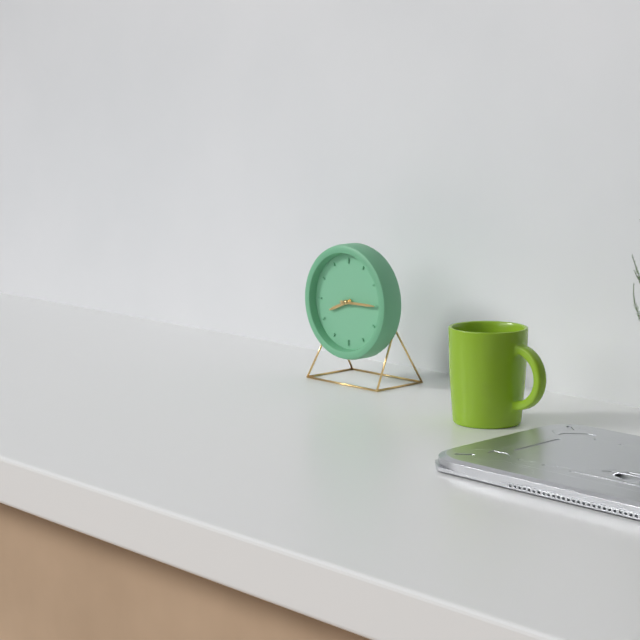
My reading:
8:15
